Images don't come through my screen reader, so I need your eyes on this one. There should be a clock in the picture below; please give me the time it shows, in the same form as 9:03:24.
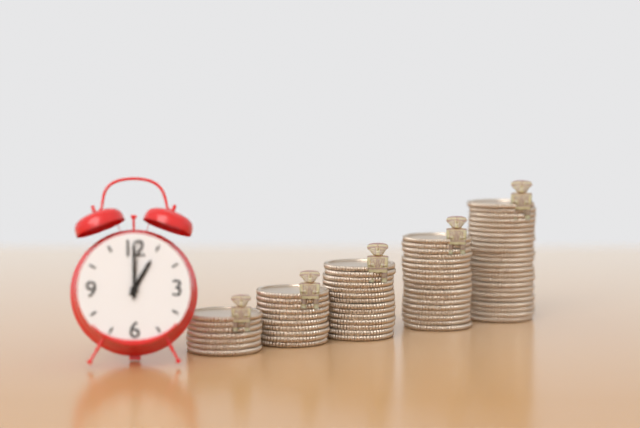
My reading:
1:00:01
